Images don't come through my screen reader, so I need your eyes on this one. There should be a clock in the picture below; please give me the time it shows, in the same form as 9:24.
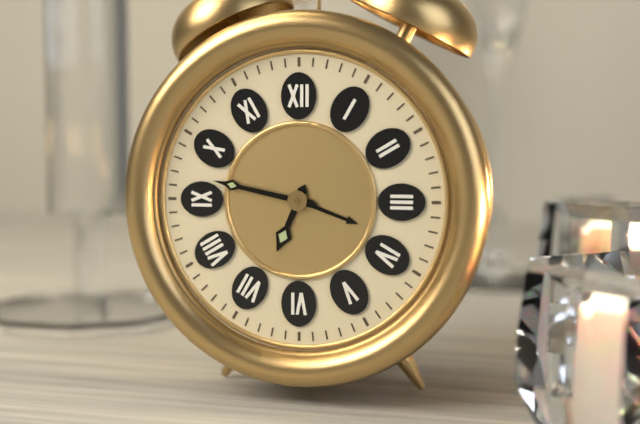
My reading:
6:47
